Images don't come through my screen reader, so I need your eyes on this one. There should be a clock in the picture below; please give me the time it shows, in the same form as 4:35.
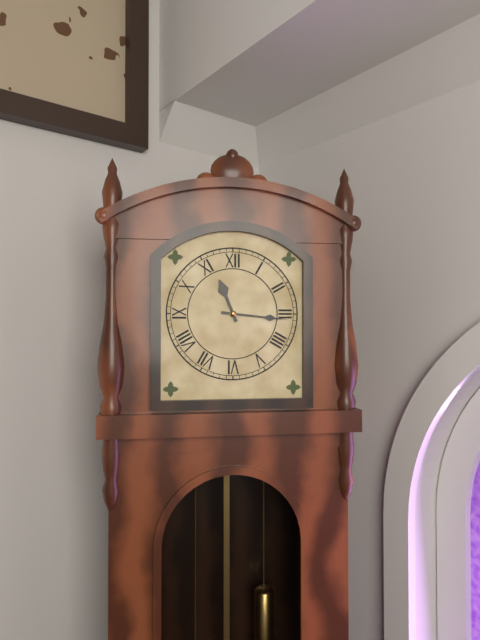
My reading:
11:16
